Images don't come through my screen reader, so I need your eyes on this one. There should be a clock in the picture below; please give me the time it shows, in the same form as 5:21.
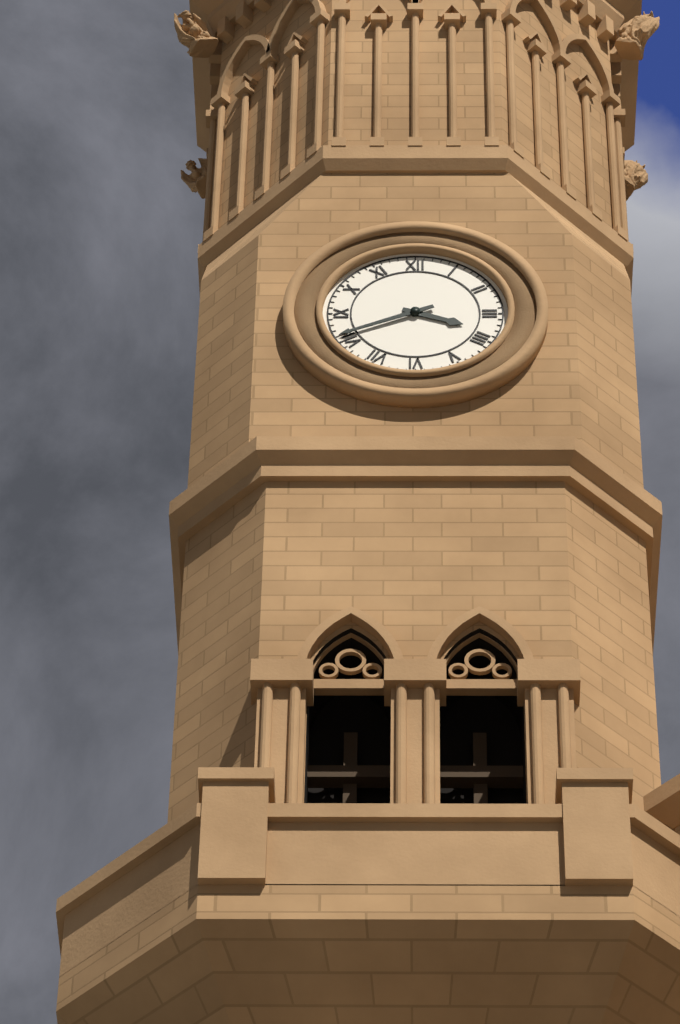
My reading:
3:41
